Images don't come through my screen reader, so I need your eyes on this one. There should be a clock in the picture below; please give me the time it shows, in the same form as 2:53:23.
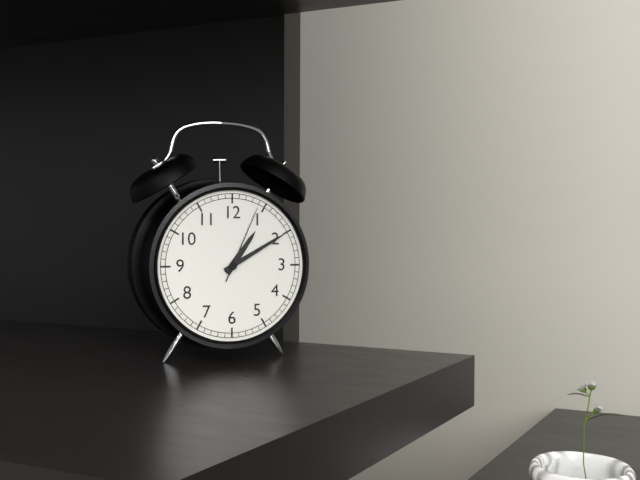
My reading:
1:10:04
